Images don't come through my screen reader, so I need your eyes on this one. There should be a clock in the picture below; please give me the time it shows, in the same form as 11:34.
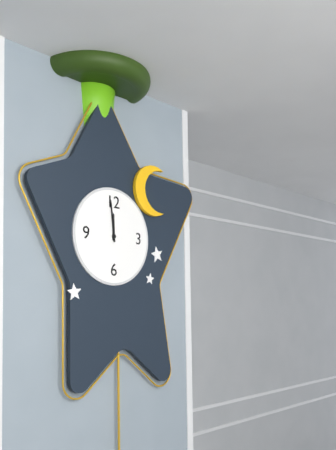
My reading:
11:59
